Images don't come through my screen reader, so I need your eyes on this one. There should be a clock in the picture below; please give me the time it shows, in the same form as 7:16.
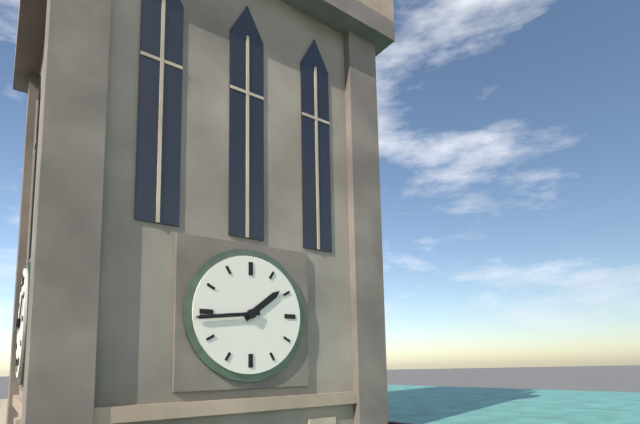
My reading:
1:44
